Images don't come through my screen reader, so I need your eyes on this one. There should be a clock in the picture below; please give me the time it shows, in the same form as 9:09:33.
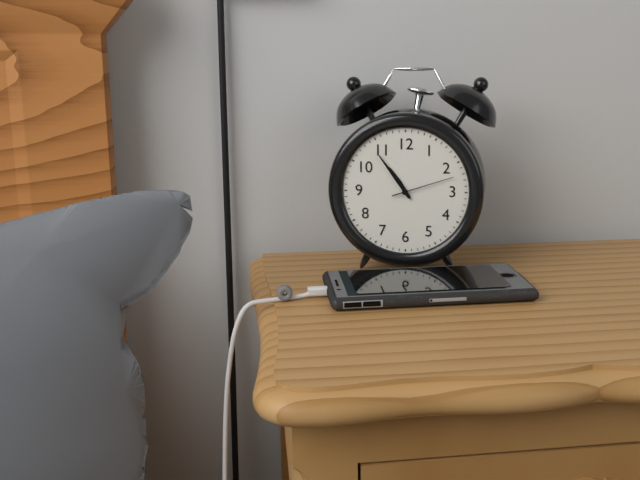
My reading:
10:54:12
